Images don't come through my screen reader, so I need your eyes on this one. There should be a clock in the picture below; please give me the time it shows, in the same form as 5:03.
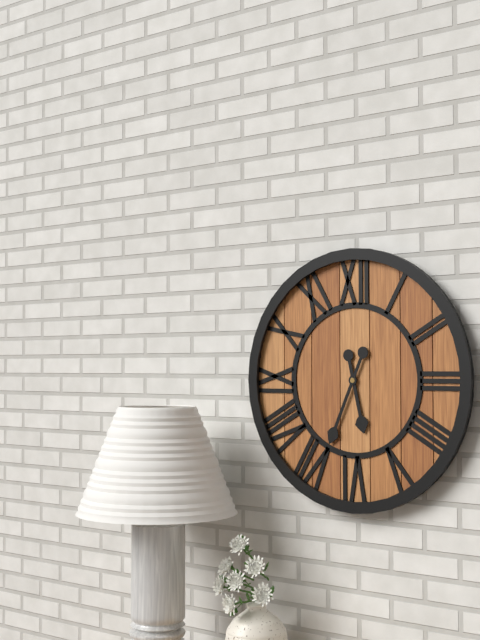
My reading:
5:34
